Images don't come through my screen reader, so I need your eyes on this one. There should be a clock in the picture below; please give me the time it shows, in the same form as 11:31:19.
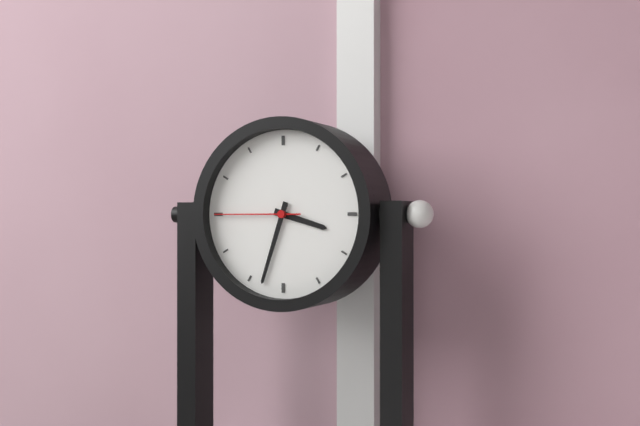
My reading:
3:33:45
